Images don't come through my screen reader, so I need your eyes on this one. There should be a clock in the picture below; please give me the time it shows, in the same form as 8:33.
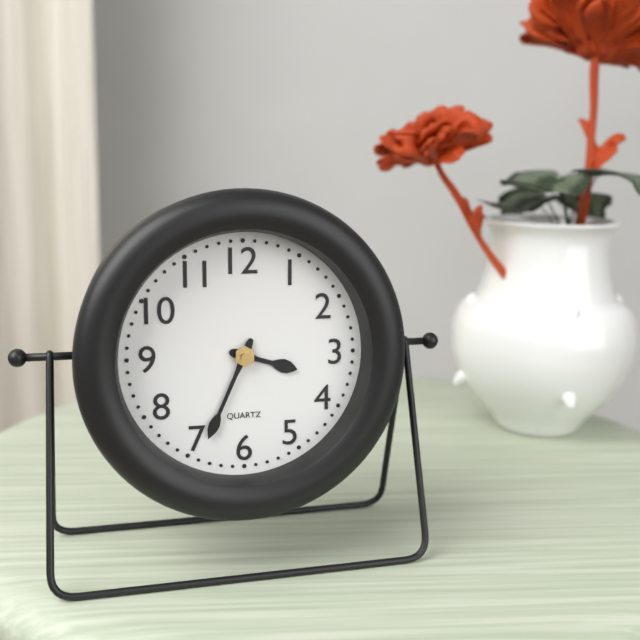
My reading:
3:34
